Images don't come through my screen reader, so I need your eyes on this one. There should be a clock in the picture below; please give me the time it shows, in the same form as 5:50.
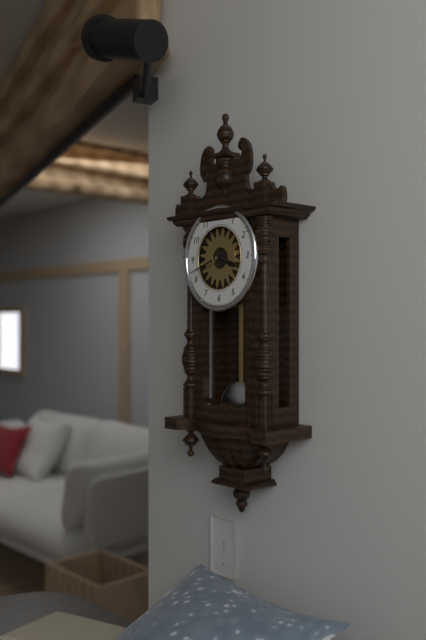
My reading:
3:42
